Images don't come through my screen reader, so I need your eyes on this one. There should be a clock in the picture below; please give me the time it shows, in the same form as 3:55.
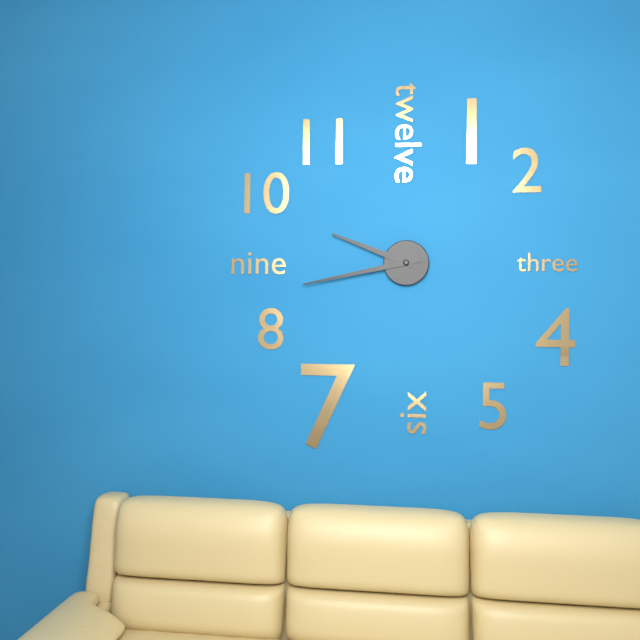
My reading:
9:43
